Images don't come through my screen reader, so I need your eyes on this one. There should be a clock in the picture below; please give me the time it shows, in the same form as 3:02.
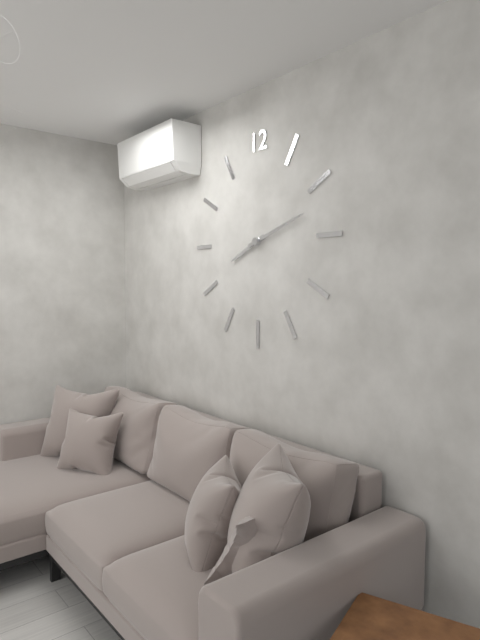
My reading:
8:12
